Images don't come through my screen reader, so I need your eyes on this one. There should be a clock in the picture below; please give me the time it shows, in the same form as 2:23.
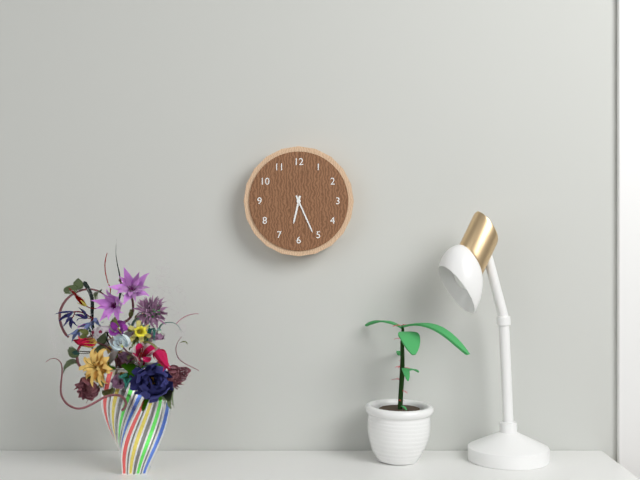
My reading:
6:26
